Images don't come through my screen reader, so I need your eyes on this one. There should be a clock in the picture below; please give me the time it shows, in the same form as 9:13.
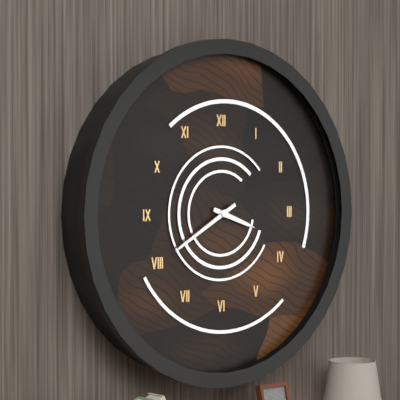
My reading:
3:40
